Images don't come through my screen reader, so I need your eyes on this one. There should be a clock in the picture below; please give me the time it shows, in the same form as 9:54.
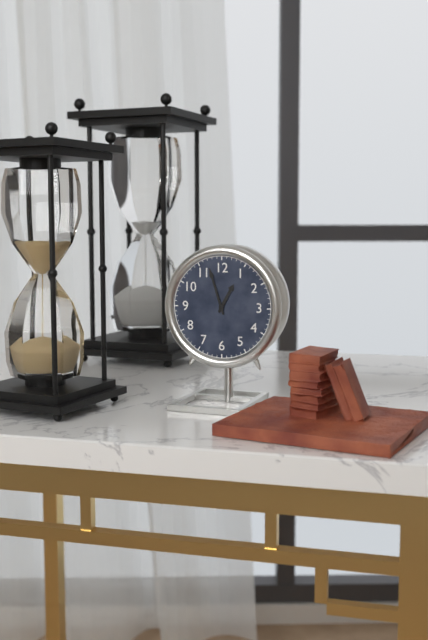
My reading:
12:57
